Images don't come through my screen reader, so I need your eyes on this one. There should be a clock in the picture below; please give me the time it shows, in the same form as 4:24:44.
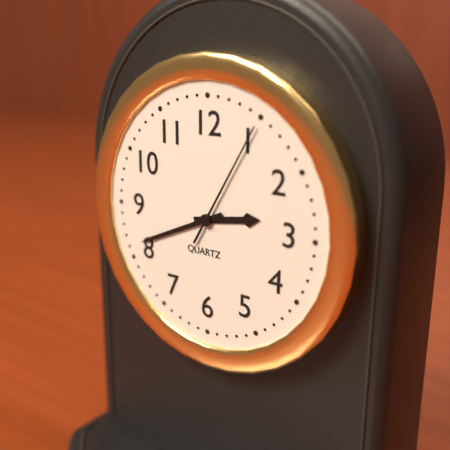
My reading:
2:41:05
